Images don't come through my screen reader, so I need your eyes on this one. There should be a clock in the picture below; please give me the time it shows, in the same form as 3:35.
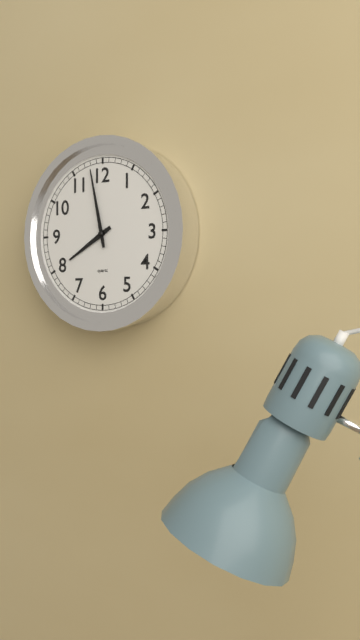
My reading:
7:58
